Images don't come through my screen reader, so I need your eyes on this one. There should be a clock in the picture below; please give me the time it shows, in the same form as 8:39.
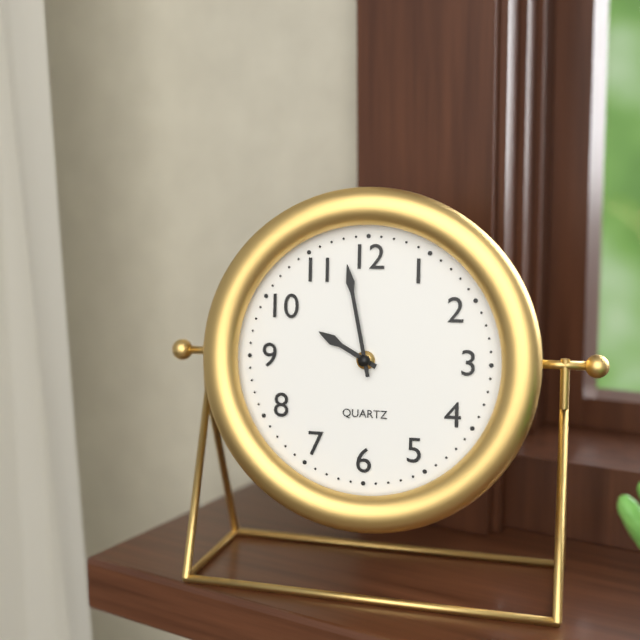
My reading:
9:58
